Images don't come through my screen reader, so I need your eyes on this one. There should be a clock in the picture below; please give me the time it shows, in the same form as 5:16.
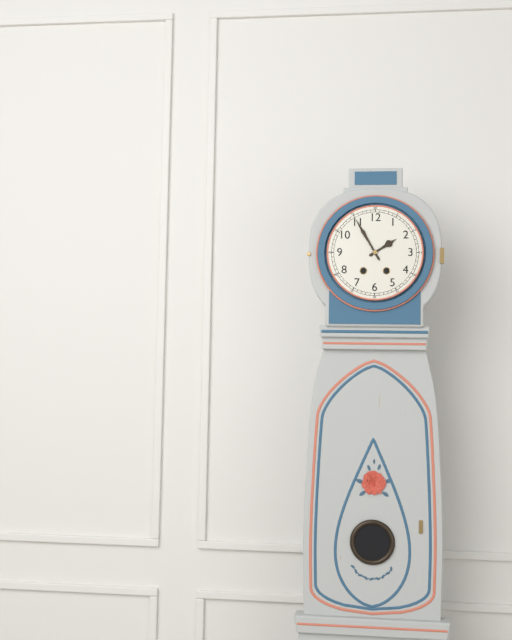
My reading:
1:55
